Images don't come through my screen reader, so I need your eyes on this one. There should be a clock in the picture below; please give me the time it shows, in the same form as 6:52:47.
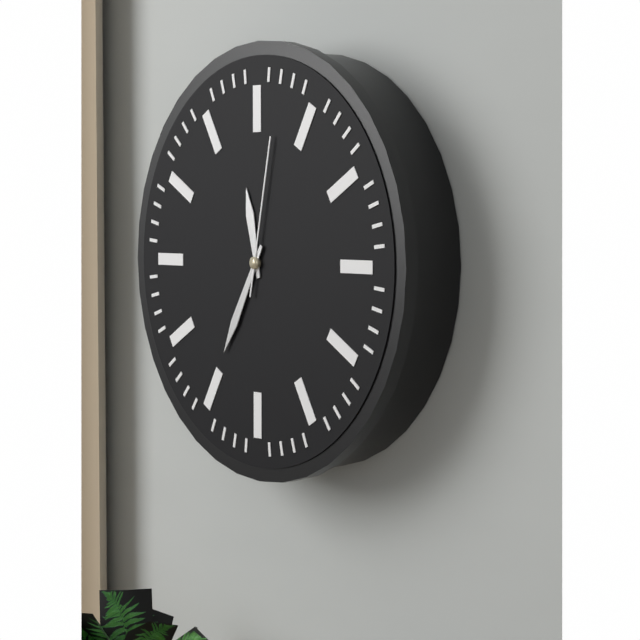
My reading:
11:35:02
